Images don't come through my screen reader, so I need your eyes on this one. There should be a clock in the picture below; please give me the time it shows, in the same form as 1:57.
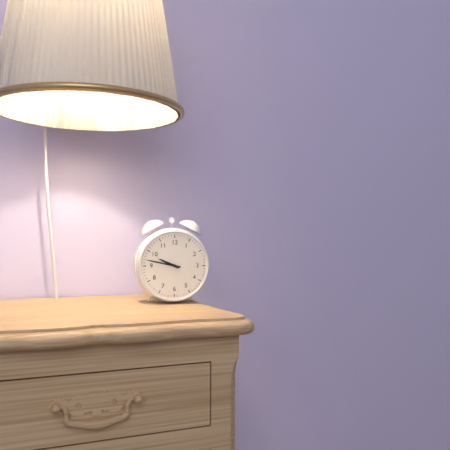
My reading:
9:47
